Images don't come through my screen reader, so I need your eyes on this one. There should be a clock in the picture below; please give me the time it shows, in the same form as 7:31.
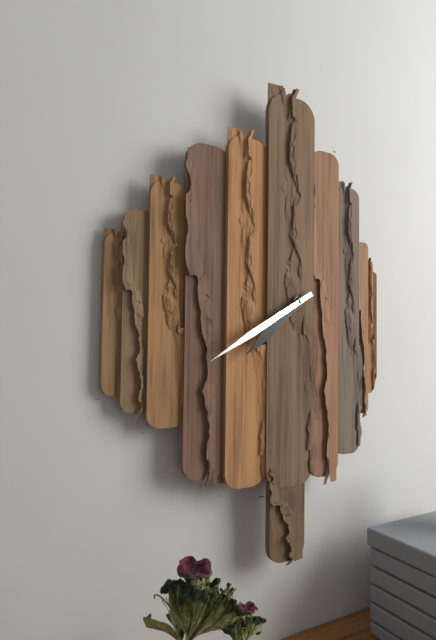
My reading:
7:40
